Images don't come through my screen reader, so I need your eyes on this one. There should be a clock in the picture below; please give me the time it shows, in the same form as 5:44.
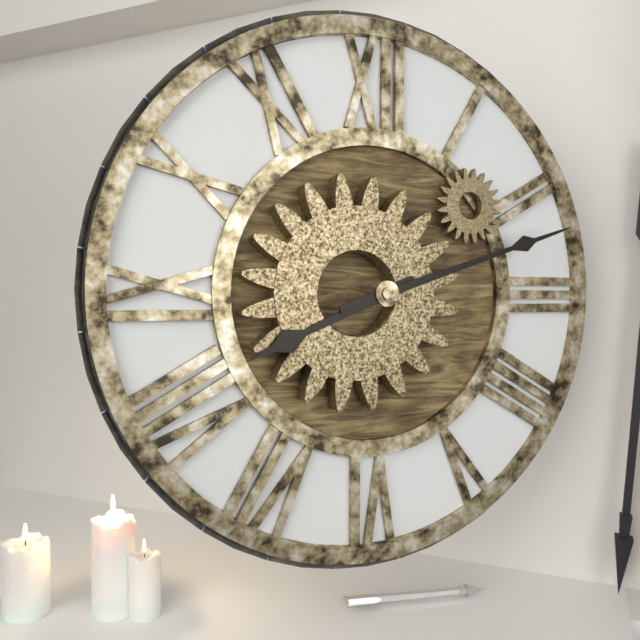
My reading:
8:12
